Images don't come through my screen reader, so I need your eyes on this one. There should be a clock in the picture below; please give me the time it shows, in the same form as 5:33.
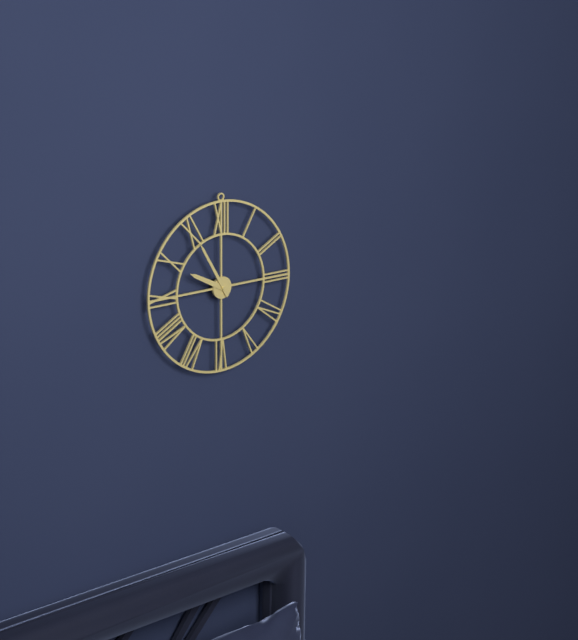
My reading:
9:55
